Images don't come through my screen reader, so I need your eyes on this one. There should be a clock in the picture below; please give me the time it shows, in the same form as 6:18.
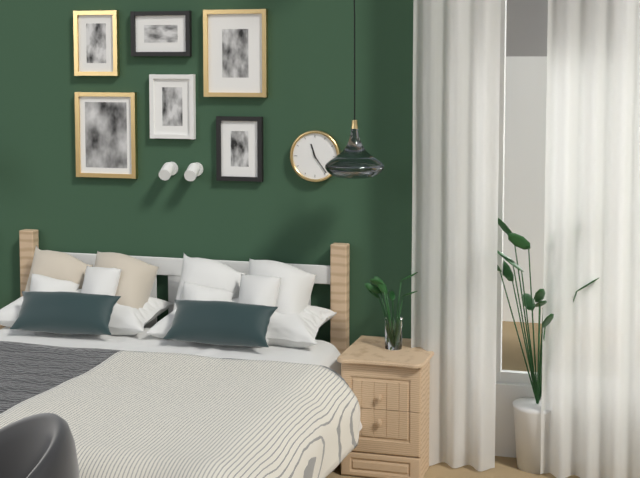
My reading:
11:24
